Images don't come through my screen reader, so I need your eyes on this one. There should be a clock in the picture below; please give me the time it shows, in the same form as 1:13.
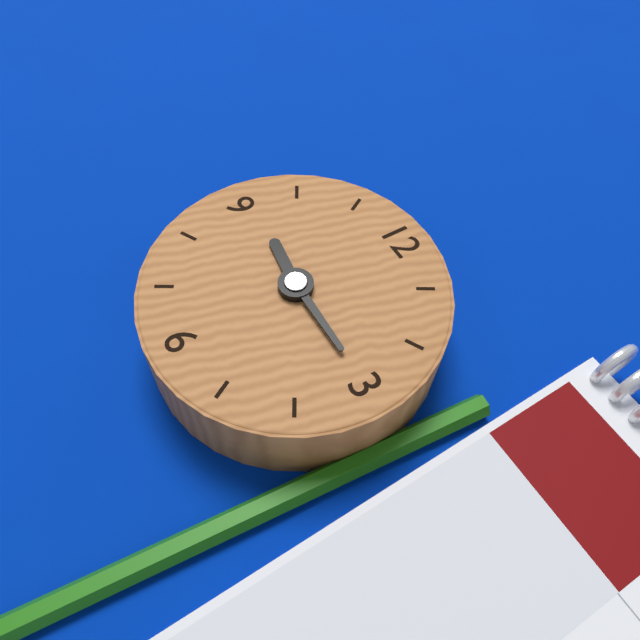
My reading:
9:15
